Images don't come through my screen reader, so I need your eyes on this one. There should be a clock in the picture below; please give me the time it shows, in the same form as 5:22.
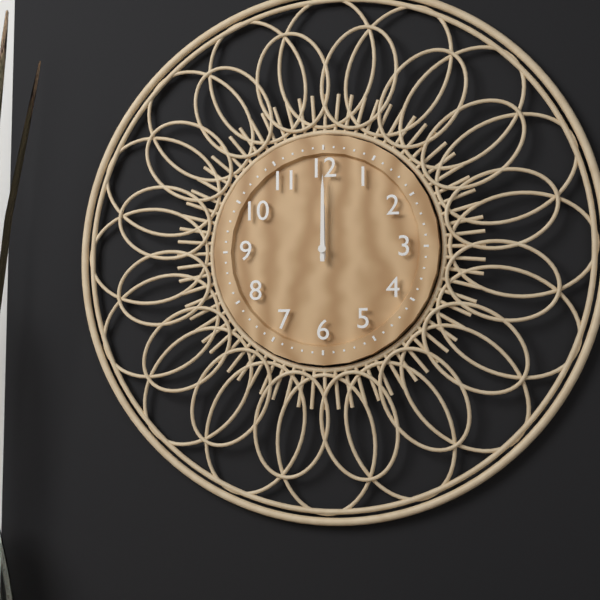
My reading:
12:00
